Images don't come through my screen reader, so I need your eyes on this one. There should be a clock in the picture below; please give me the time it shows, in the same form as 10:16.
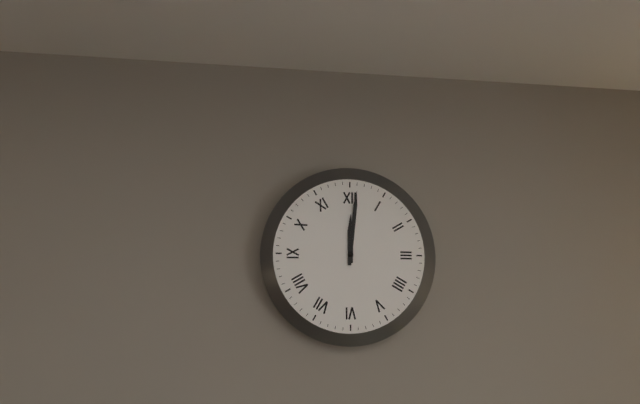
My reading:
12:01
